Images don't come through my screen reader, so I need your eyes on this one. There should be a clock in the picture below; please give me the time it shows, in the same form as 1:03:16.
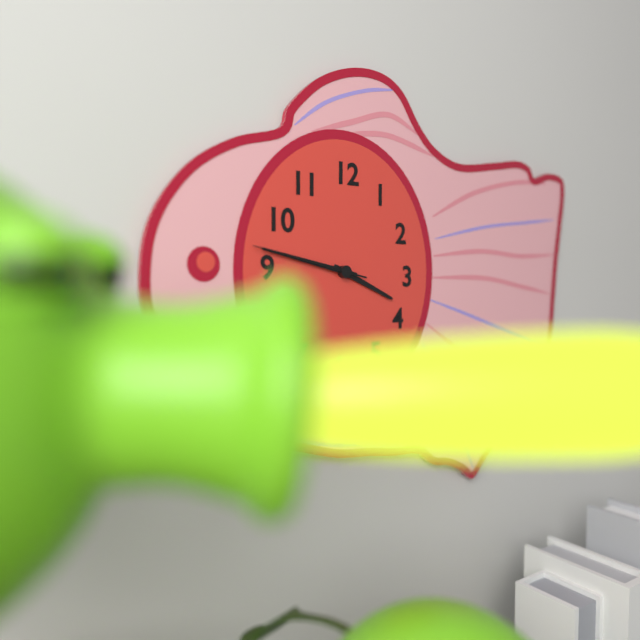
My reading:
3:47:47
